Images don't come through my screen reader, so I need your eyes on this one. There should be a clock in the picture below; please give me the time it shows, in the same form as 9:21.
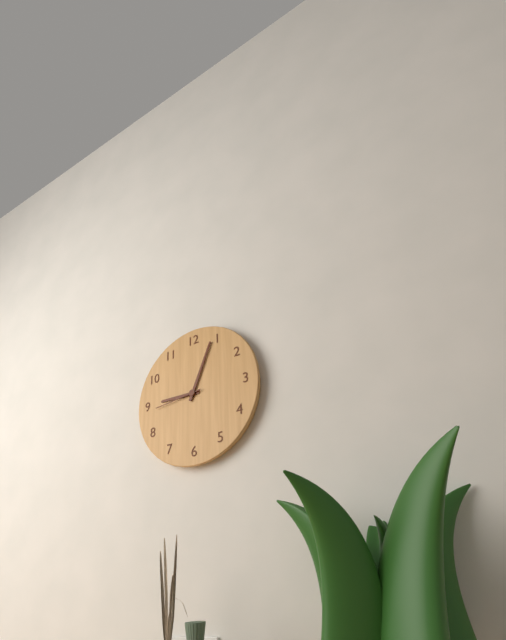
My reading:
9:04
